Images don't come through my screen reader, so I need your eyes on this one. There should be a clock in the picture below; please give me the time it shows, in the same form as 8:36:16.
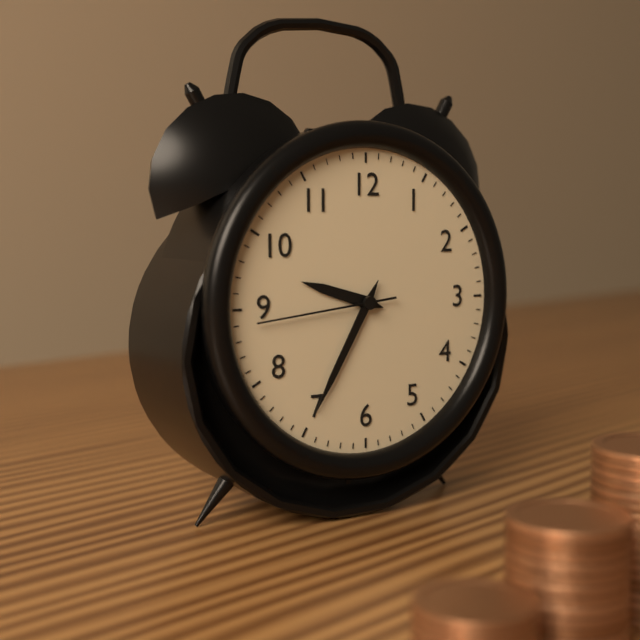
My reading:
9:35:44
